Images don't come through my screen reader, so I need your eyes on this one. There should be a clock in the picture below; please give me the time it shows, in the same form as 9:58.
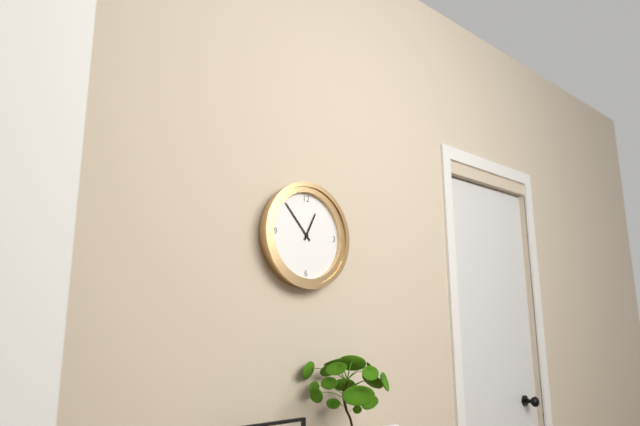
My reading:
12:53
